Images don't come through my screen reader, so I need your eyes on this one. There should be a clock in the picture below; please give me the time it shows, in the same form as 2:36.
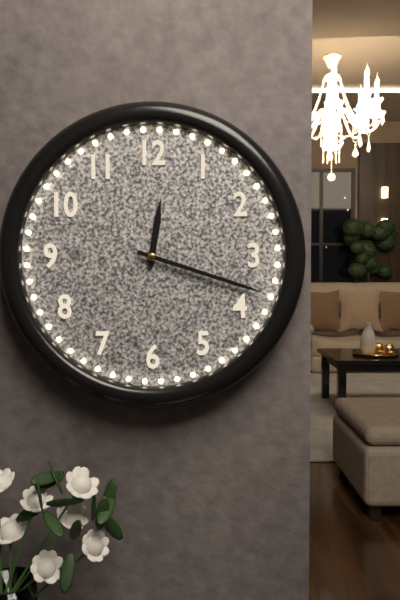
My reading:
12:18
